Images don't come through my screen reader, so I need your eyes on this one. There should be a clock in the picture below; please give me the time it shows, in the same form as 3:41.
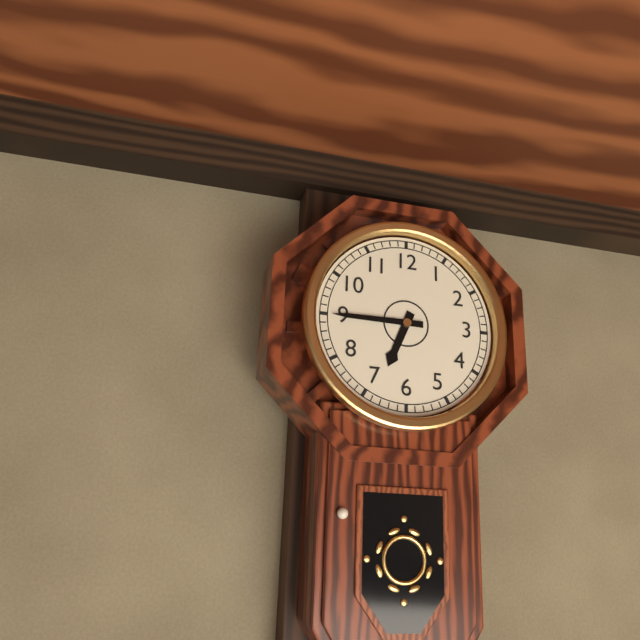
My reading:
6:45
